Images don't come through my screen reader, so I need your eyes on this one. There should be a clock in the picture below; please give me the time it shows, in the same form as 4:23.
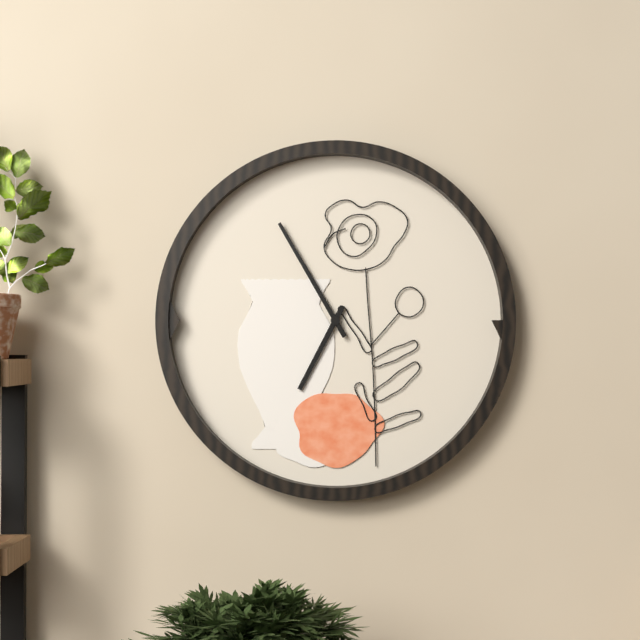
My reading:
6:55
